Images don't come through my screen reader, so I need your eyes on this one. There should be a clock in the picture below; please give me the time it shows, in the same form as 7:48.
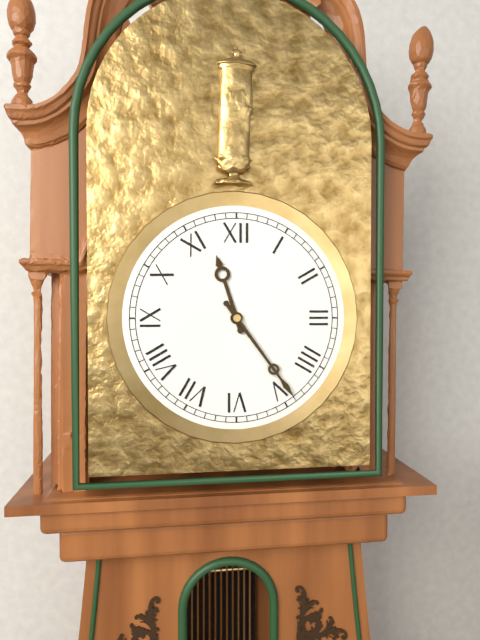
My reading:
11:24
